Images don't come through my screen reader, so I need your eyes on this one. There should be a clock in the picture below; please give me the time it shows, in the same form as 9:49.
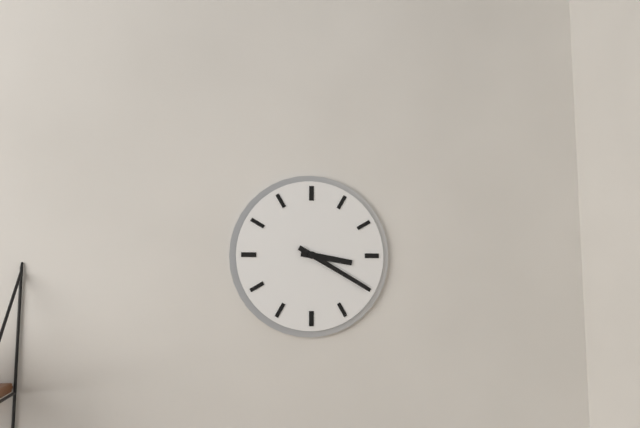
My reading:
3:20
